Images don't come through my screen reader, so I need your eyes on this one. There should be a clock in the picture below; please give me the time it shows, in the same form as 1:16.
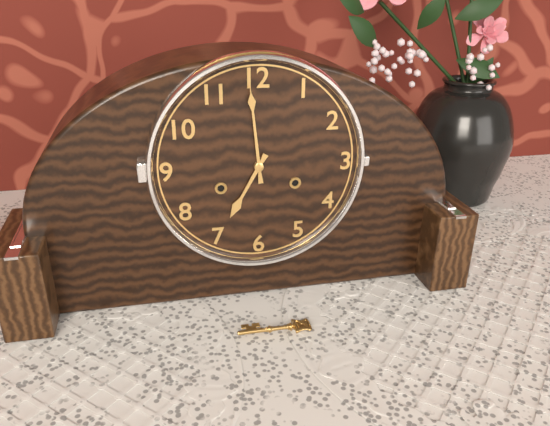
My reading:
6:59
